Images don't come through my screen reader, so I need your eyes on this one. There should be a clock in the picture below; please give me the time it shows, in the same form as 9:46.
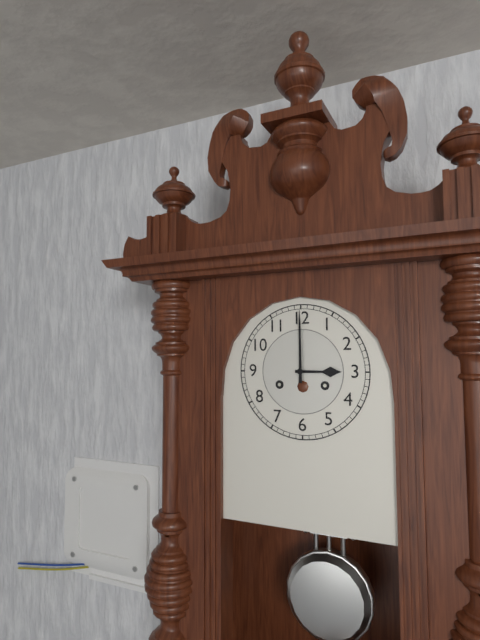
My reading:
3:00
